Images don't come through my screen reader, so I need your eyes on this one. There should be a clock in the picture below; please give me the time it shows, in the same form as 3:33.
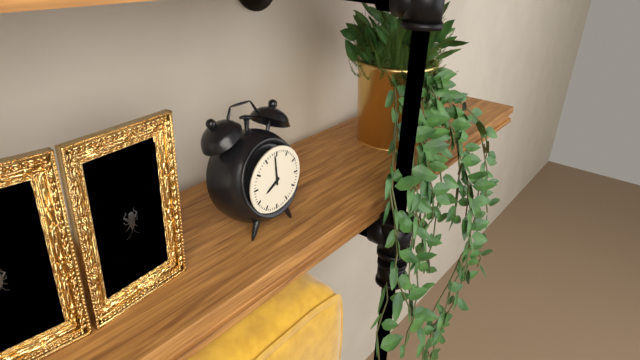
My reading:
7:59
